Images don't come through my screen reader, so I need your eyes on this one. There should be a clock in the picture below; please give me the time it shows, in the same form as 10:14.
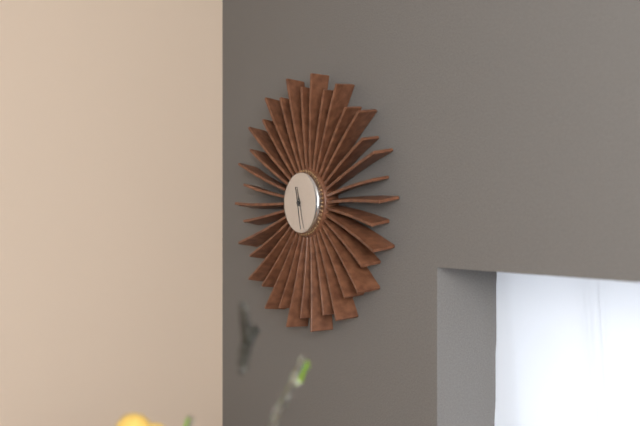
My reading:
11:28
